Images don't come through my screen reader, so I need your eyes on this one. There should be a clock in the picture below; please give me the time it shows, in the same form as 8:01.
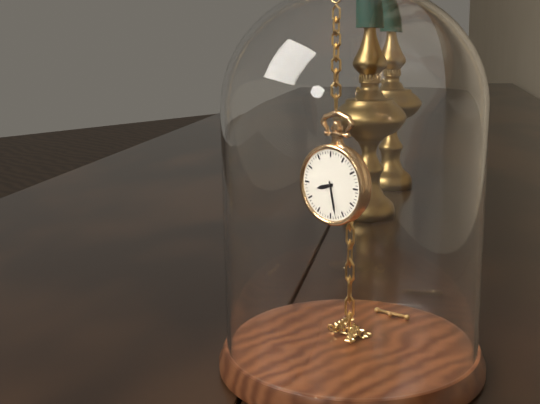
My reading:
8:28
